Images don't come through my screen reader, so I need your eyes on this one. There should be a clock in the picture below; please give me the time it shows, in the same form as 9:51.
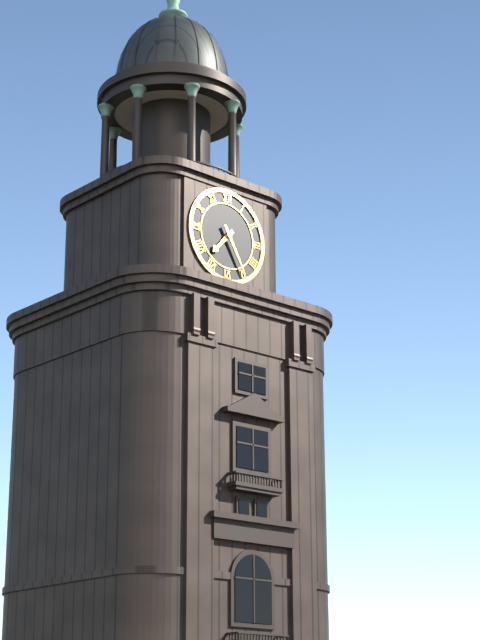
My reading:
7:25
